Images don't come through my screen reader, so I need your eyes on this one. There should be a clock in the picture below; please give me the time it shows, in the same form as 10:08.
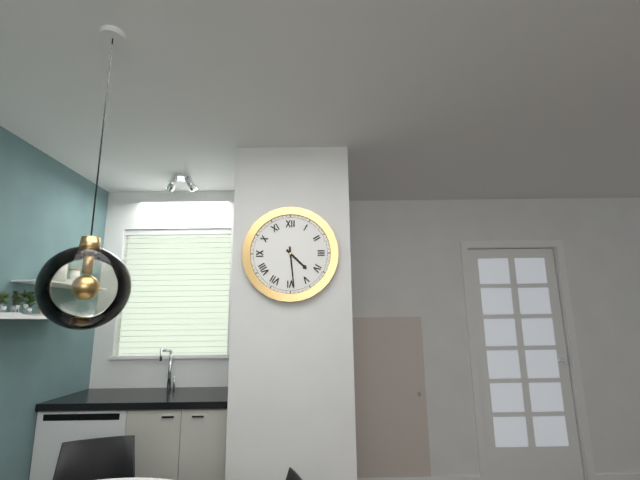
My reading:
4:29
